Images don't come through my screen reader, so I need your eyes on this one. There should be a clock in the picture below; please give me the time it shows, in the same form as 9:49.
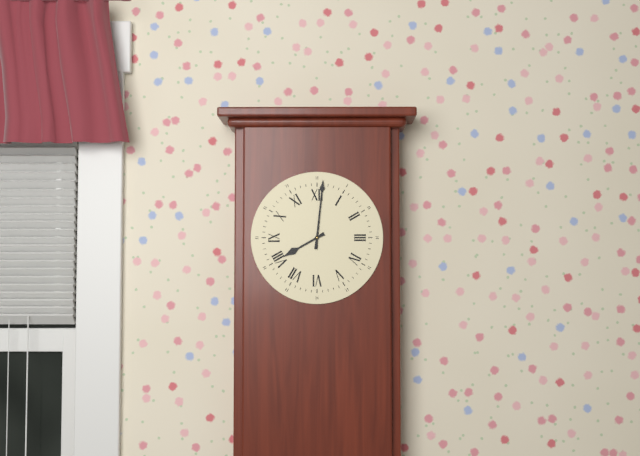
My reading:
8:01
